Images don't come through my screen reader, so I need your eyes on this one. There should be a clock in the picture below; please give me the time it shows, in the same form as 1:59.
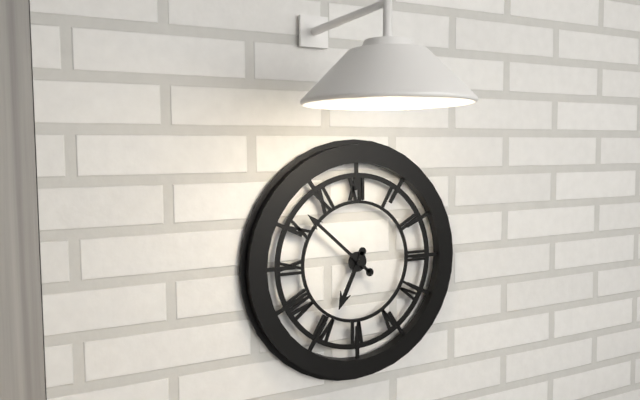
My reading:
6:52
